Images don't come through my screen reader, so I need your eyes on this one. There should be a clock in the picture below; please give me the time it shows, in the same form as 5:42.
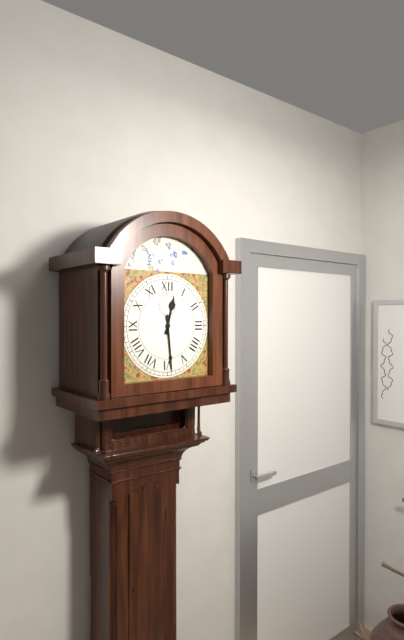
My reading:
12:29
